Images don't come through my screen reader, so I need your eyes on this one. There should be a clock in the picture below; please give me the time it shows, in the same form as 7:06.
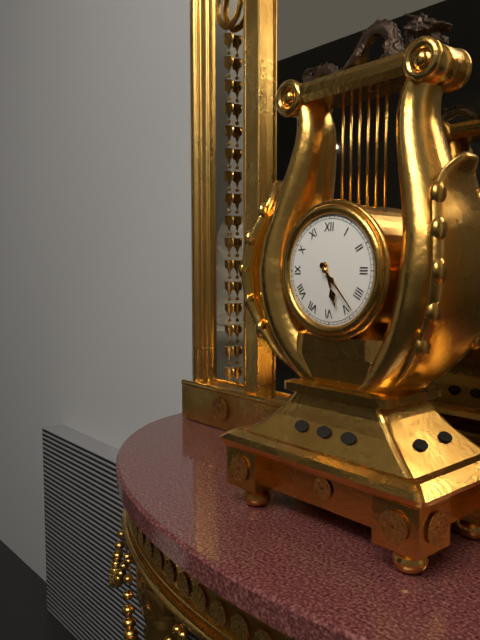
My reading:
5:23
